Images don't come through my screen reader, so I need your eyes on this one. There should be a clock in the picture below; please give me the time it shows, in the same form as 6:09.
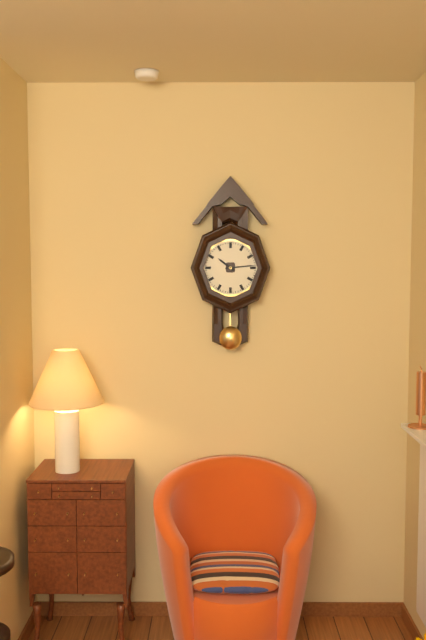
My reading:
10:14
